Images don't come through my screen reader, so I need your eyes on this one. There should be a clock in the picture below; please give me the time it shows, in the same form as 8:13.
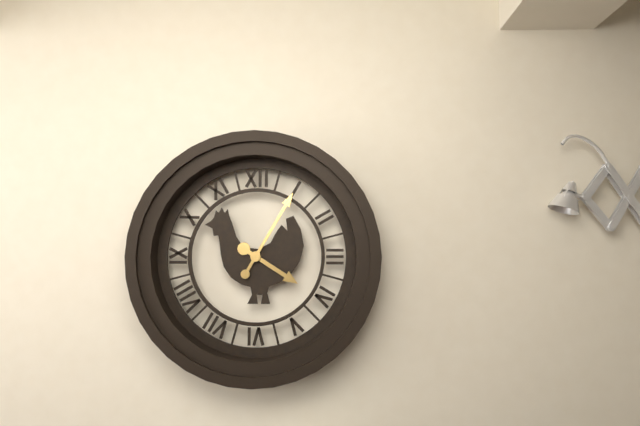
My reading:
4:05
